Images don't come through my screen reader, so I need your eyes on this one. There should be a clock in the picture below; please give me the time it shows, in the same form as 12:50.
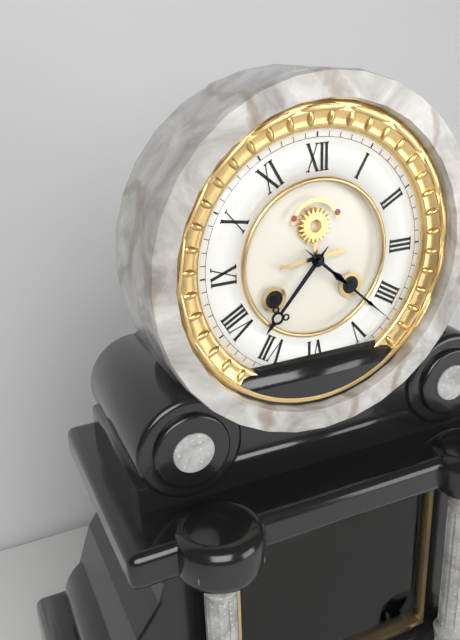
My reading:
7:22
